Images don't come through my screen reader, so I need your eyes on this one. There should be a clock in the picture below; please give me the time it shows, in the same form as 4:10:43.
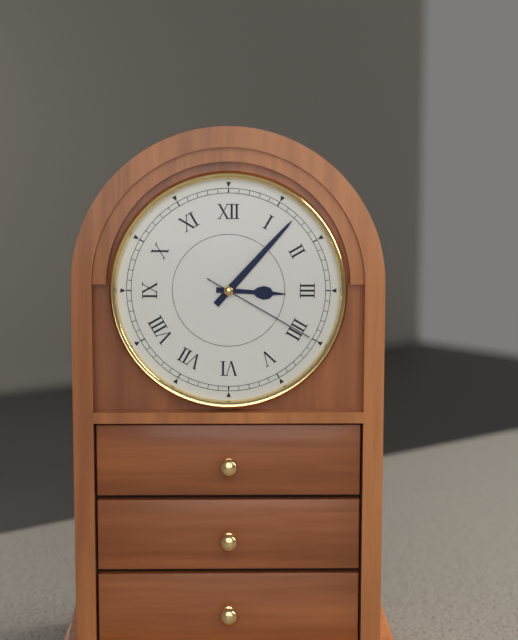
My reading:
3:07:20
